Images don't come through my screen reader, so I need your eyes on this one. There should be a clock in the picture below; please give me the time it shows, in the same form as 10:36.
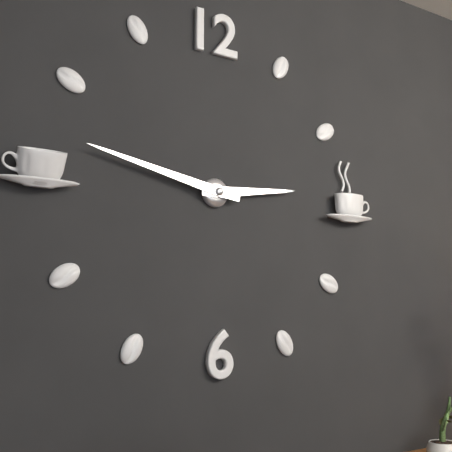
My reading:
2:47
